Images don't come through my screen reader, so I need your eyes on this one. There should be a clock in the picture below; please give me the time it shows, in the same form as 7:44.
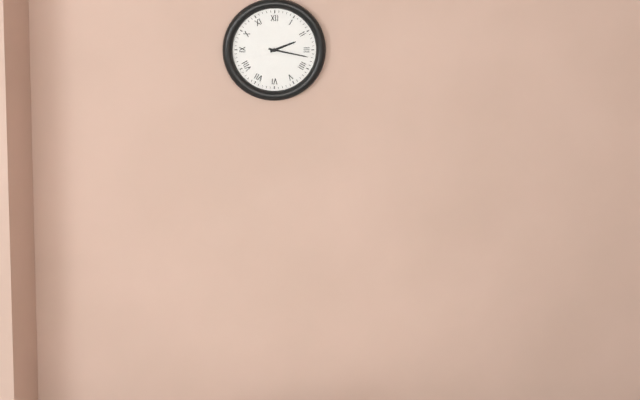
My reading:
2:17
